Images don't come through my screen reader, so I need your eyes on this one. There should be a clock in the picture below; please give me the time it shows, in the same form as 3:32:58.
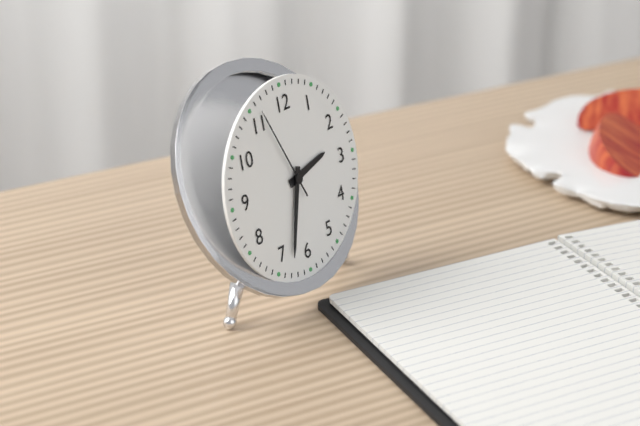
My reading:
2:33:56
